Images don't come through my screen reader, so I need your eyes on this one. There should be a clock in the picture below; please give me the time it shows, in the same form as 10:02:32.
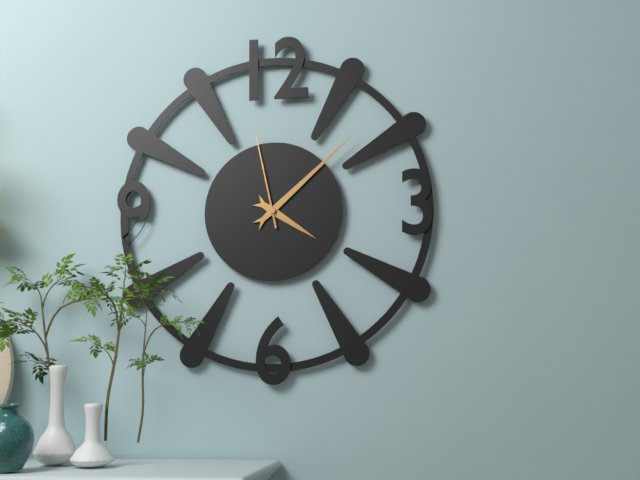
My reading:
4:08:58
